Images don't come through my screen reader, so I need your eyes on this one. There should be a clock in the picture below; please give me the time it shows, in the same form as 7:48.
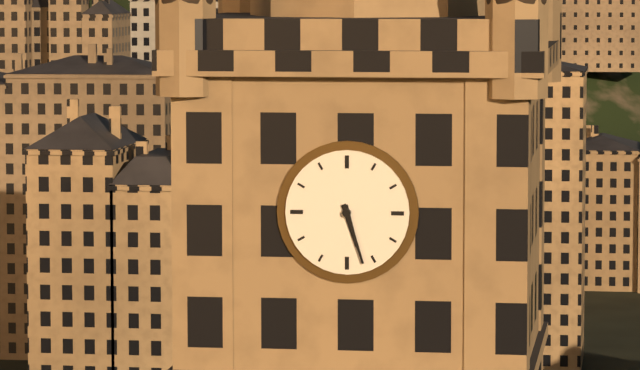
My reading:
5:27
